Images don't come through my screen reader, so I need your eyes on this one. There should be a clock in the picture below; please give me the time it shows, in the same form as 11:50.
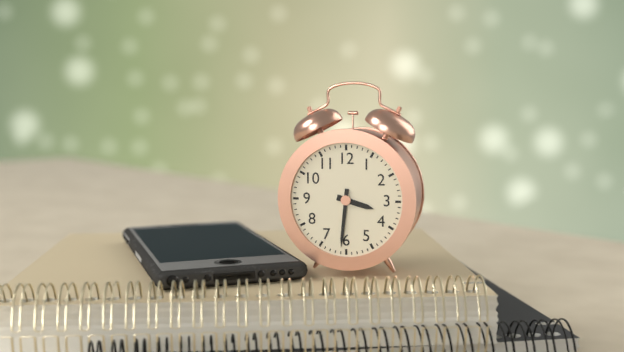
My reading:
3:31
